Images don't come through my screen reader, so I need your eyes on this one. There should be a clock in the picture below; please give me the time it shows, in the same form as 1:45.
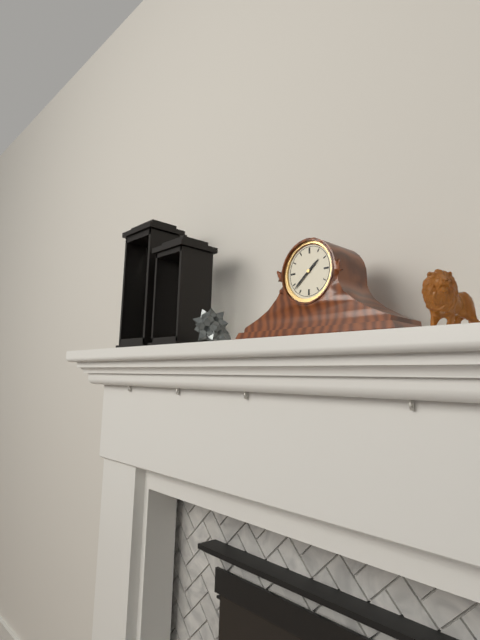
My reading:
1:38
